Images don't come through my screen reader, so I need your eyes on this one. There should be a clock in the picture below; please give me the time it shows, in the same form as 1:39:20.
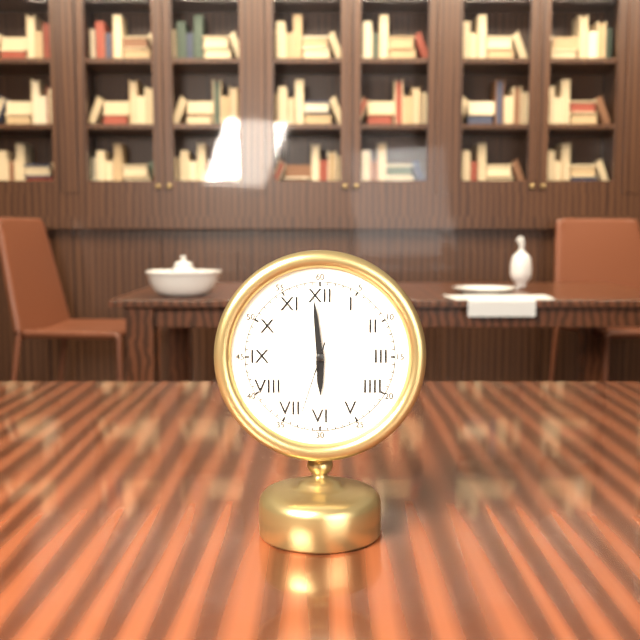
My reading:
5:59:33
